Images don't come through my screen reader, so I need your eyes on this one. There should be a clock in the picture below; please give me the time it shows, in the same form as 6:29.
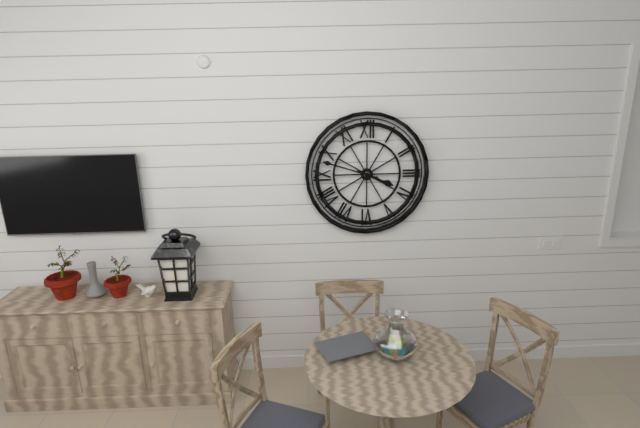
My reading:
3:48
